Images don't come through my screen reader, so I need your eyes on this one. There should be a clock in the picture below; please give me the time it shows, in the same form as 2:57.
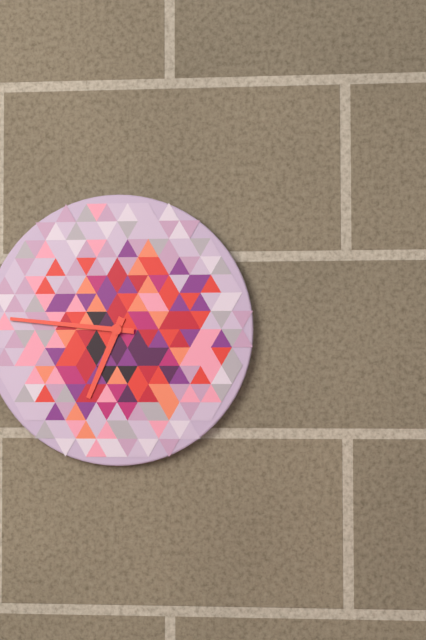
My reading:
6:46
